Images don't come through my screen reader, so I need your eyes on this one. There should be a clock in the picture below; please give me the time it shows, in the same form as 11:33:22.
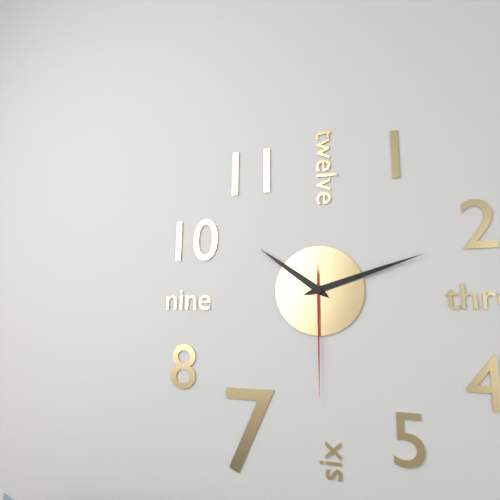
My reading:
10:12:30
